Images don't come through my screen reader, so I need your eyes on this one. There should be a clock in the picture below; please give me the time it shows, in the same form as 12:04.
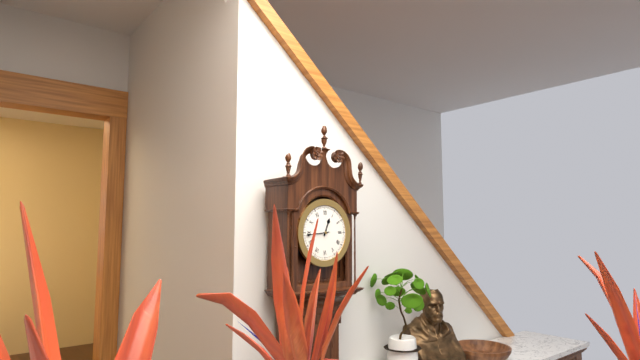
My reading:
12:44
